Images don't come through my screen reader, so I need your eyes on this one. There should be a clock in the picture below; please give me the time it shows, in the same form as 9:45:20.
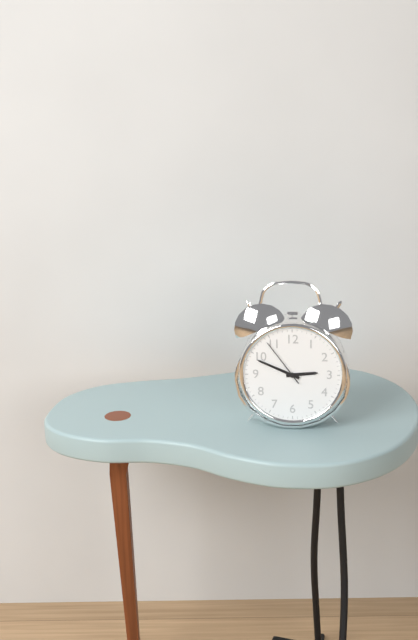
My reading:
2:49:54
